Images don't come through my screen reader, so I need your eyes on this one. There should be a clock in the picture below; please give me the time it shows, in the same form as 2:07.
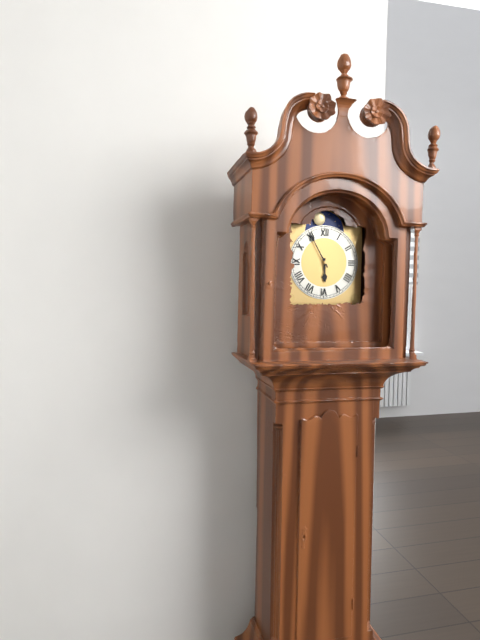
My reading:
5:55
